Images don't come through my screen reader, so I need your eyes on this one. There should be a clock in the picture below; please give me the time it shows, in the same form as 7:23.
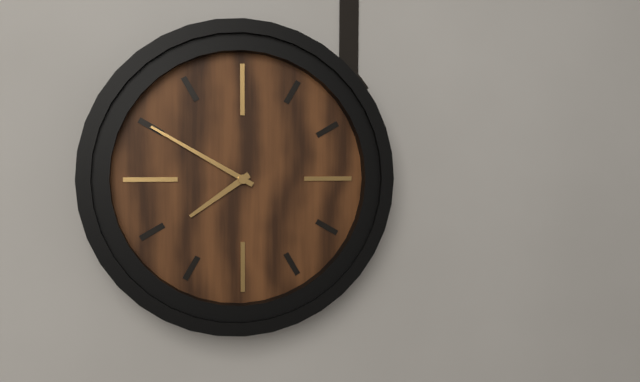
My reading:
7:50
